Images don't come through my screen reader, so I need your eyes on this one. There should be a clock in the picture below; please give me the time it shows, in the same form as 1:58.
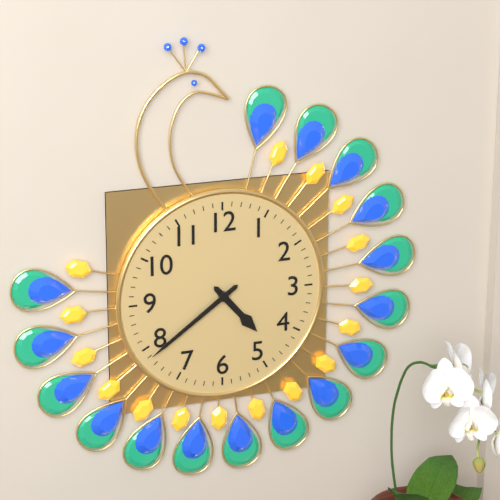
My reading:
4:39
